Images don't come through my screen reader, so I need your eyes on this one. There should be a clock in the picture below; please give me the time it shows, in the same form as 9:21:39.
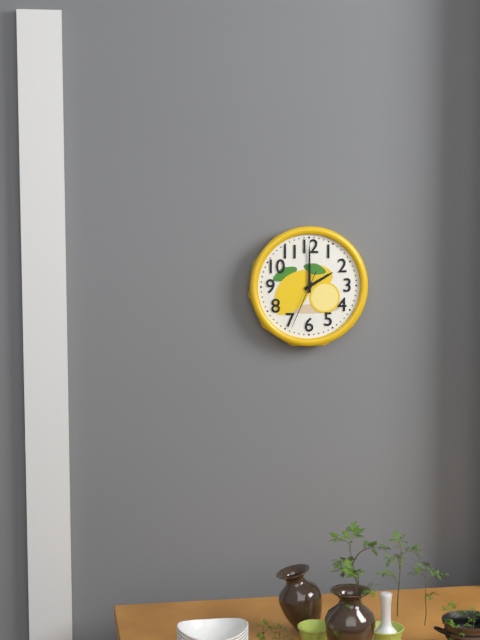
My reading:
2:00:34
